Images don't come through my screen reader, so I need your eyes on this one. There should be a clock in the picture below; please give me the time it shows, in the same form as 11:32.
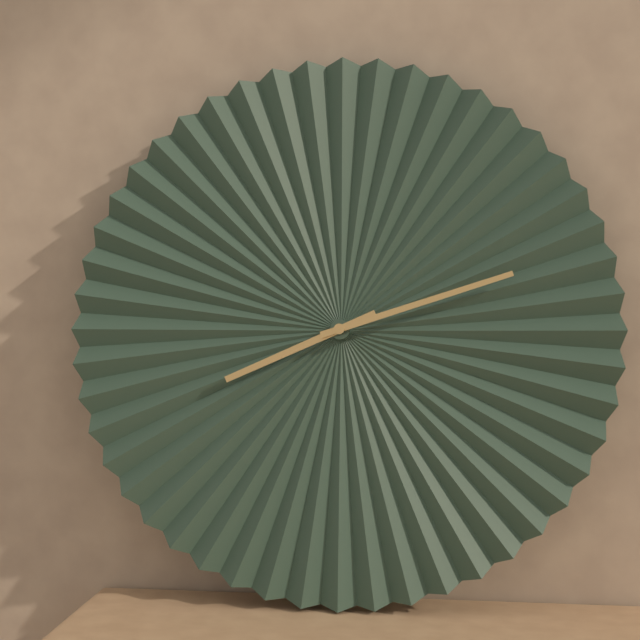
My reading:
8:12
